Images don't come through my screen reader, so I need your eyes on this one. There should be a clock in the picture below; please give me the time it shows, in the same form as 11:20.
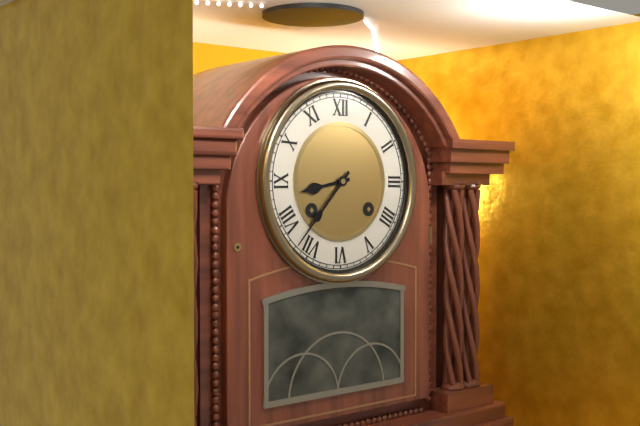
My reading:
8:37
